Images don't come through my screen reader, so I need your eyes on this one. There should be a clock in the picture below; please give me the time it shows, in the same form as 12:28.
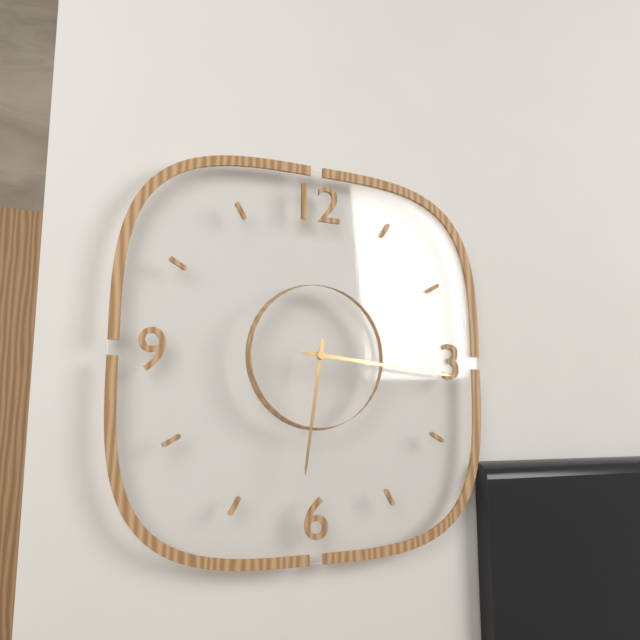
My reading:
6:16
